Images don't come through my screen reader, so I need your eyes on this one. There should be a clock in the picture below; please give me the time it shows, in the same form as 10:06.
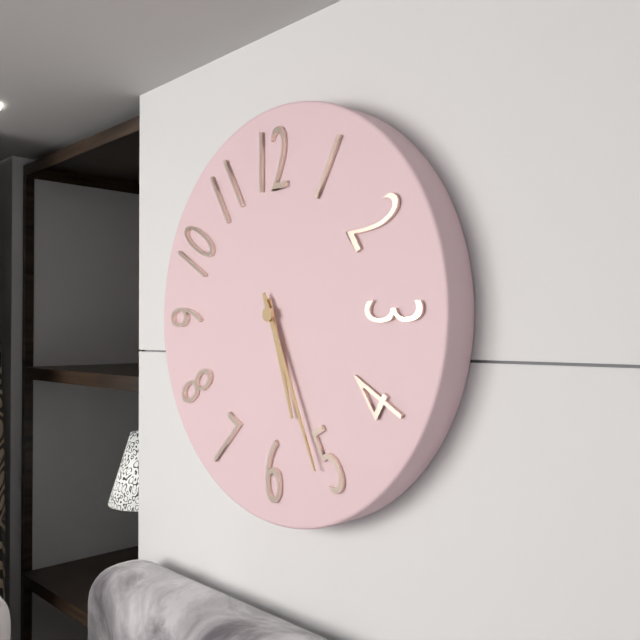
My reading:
5:26
